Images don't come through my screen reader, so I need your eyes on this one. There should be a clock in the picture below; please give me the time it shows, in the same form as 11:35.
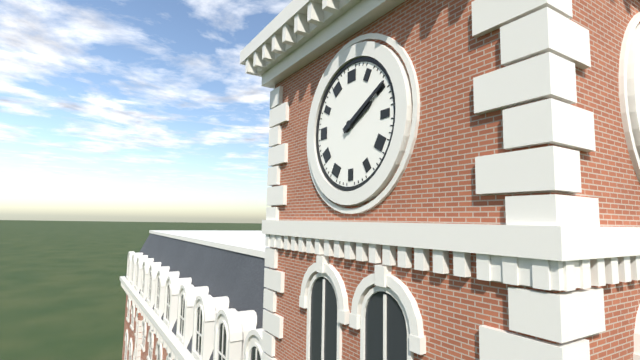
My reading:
2:10
